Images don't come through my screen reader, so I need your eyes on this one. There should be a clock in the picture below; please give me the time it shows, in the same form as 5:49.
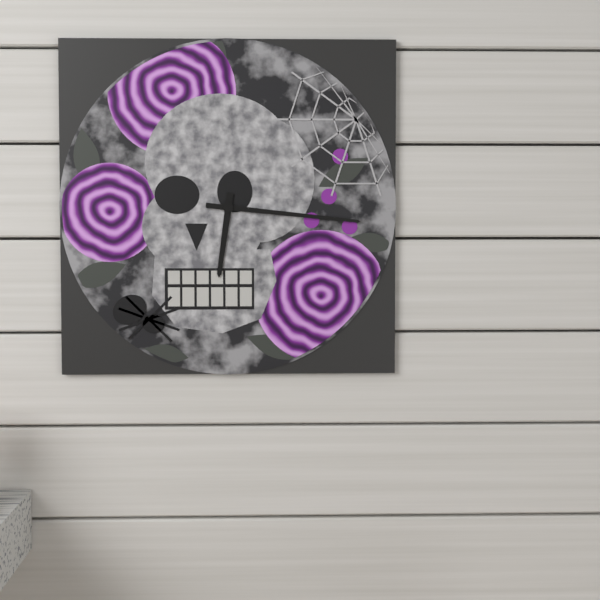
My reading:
6:16
